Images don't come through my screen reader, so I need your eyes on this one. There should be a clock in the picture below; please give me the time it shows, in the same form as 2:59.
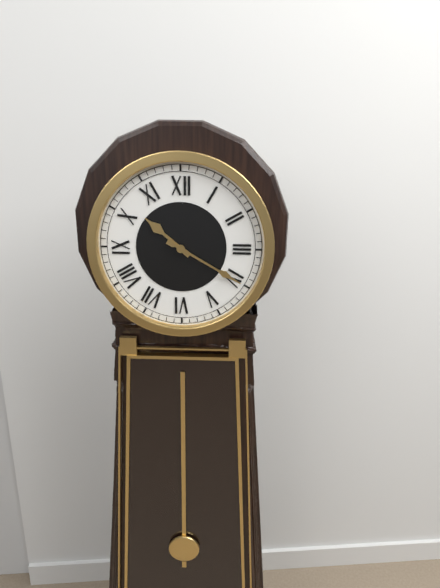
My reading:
10:20
